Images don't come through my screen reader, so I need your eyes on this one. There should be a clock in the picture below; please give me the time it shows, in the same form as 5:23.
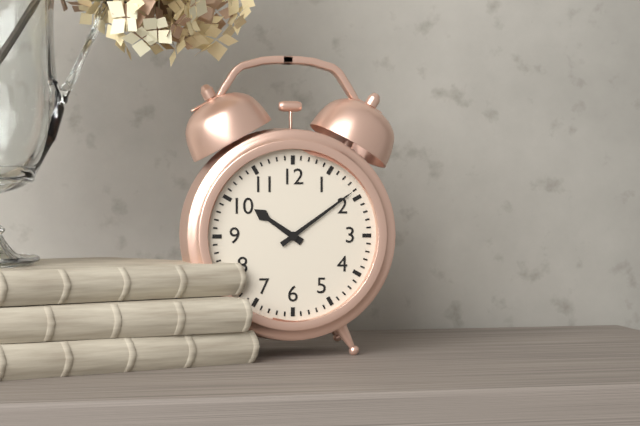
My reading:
10:09
